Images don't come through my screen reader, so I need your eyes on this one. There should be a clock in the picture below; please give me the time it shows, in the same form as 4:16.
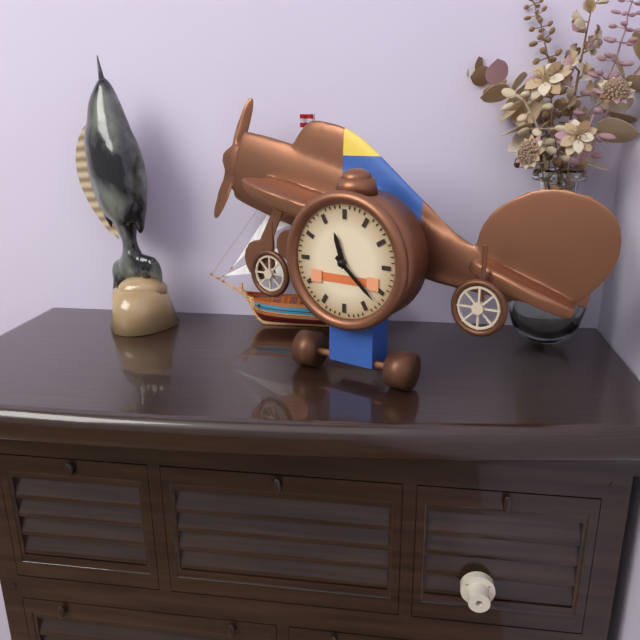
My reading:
11:22
